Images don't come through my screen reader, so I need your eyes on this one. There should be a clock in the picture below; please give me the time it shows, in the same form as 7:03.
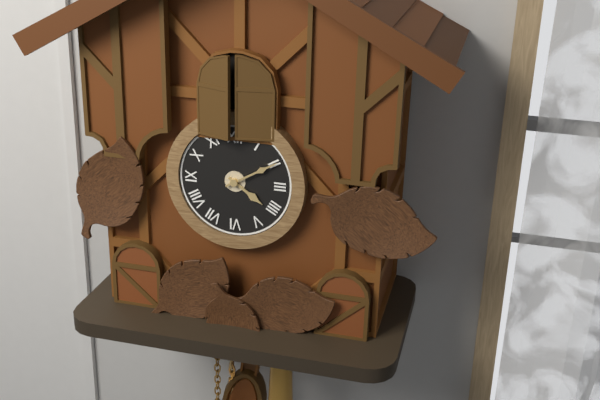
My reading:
4:10
